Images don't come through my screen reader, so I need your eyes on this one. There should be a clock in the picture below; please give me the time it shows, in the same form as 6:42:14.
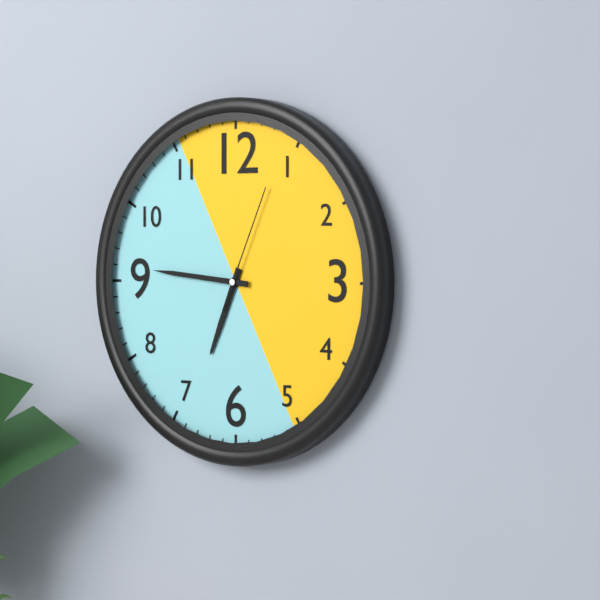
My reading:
6:46:04
